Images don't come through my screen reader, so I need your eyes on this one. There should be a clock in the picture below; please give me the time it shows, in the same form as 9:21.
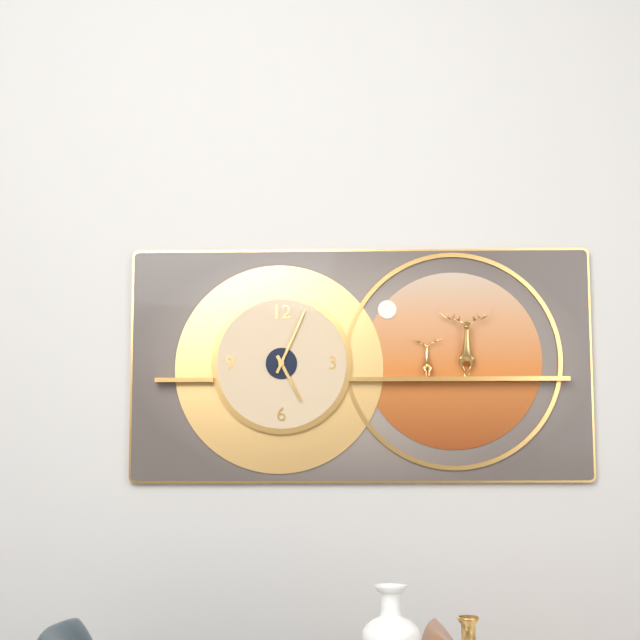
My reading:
5:04
